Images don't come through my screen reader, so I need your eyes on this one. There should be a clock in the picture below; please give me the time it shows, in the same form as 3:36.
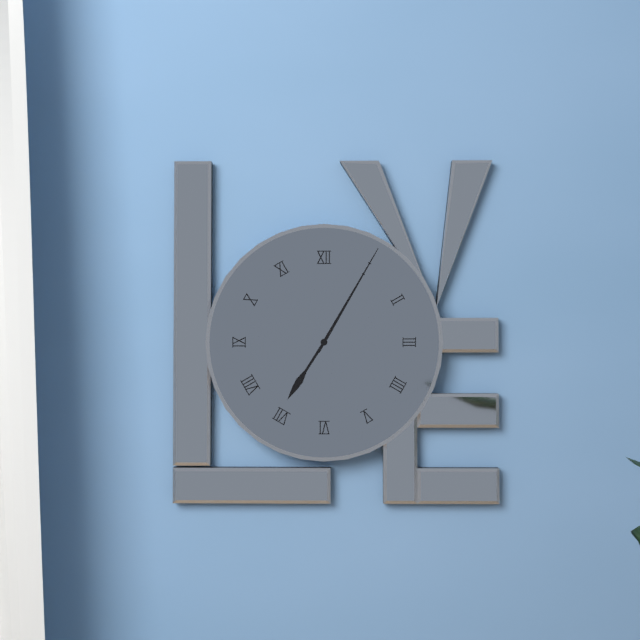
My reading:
7:05
